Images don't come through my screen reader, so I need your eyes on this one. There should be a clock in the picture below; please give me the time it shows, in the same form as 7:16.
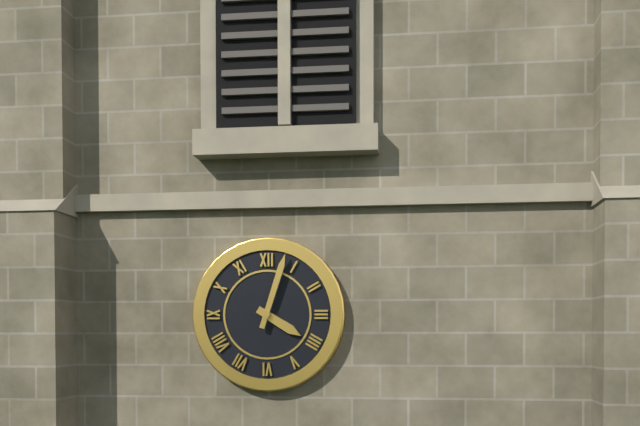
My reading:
4:03
